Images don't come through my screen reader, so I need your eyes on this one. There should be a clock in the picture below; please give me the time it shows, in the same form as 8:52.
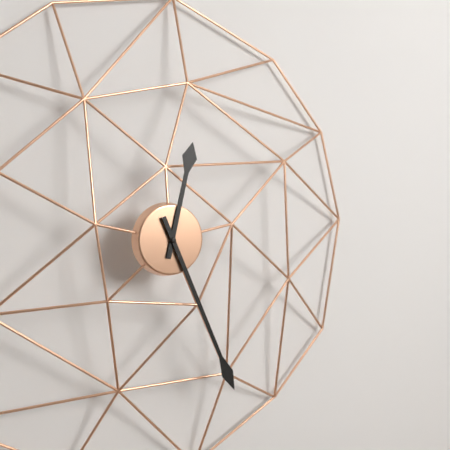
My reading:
12:26
